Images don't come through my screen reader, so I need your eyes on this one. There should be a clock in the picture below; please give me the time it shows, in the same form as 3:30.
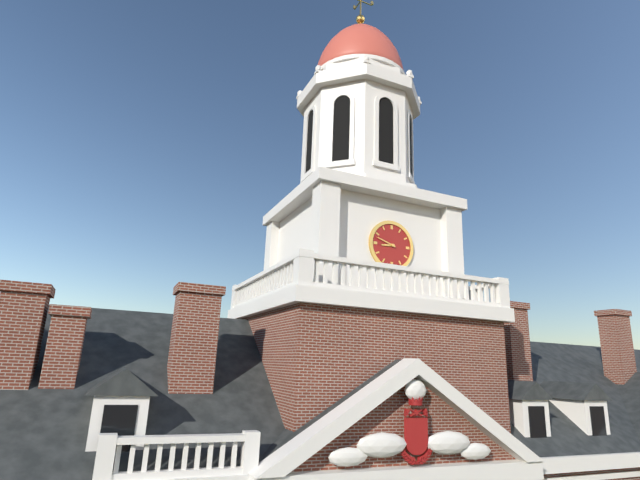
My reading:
8:48
